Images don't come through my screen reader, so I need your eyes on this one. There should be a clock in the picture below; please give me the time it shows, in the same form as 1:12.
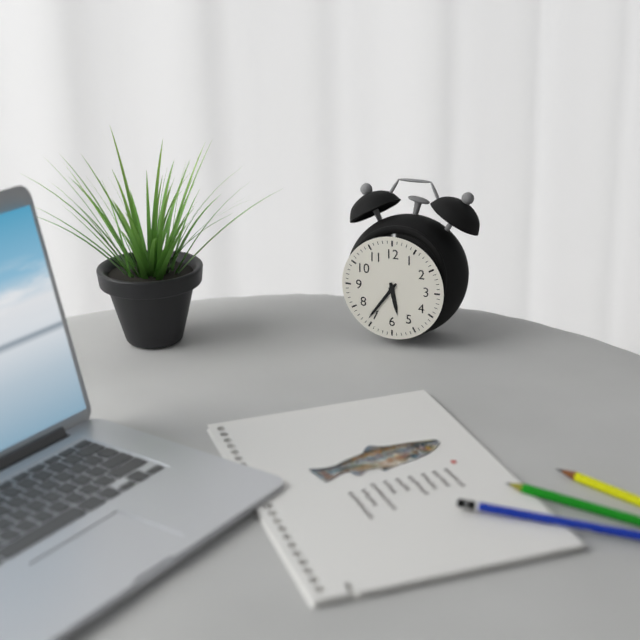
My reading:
5:36
